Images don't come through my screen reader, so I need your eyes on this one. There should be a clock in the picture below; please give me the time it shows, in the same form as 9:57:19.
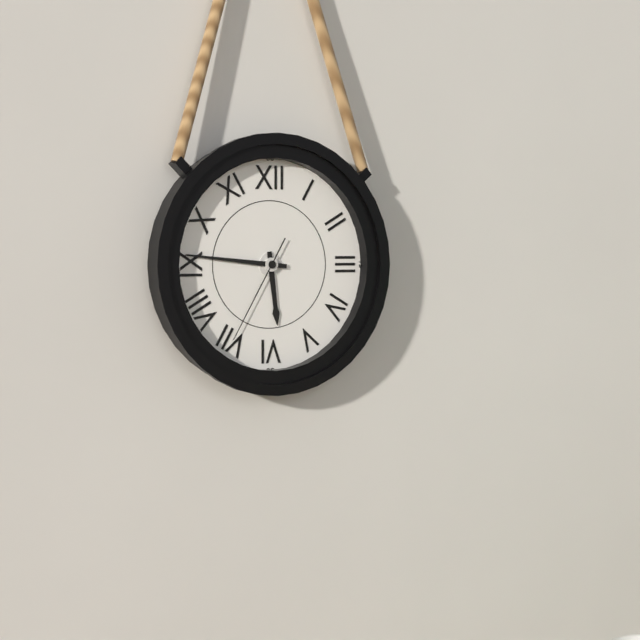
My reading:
5:46:35
